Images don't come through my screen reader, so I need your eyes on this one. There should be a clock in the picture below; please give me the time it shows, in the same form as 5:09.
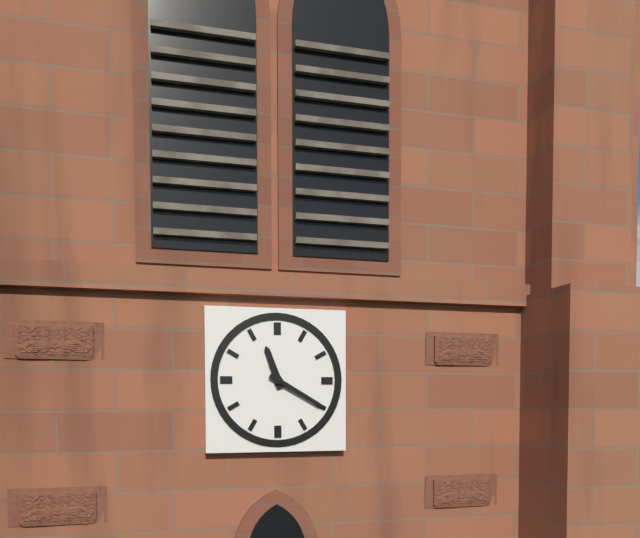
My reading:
11:20
